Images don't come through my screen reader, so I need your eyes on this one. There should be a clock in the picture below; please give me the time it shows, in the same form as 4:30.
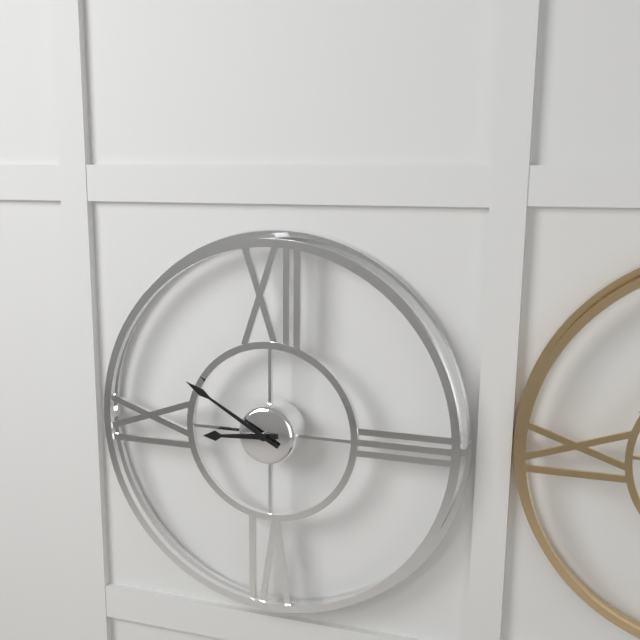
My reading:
8:50
